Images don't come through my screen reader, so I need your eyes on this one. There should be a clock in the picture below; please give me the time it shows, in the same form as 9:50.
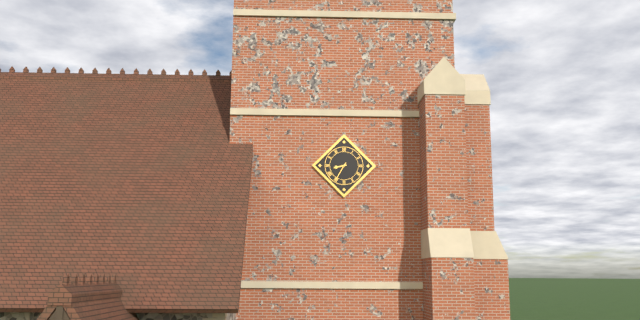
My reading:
8:35
